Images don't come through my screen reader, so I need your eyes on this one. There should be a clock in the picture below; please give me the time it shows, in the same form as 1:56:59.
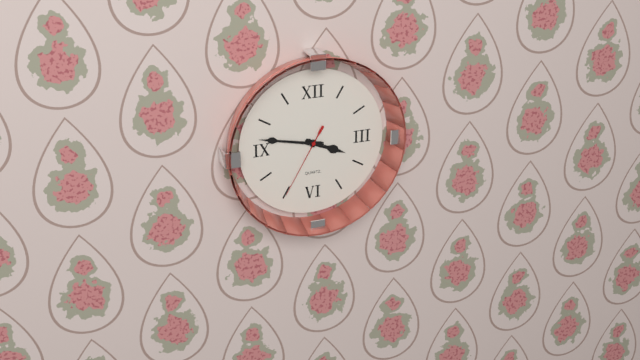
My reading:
3:47:35
